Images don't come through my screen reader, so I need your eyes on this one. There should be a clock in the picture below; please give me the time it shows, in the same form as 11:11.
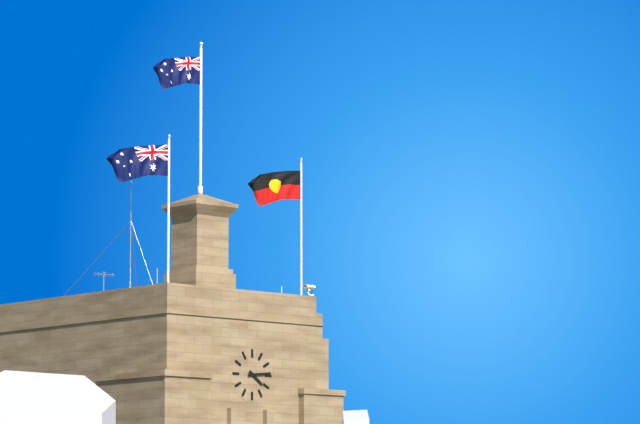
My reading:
4:14
